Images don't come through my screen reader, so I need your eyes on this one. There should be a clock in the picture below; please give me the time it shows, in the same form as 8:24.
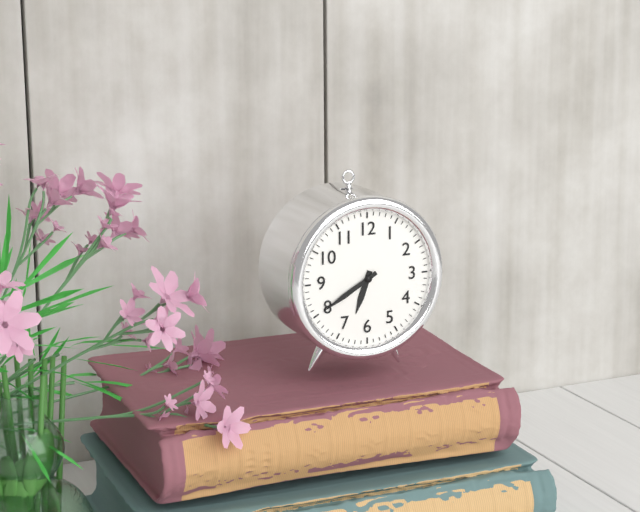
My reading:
6:40
